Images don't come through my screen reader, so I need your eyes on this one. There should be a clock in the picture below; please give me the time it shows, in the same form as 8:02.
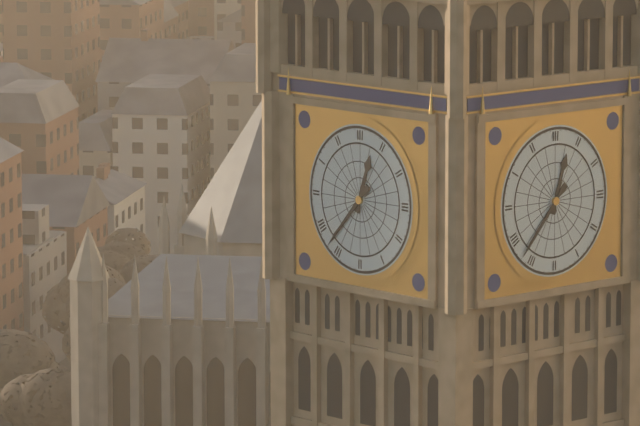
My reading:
12:37
